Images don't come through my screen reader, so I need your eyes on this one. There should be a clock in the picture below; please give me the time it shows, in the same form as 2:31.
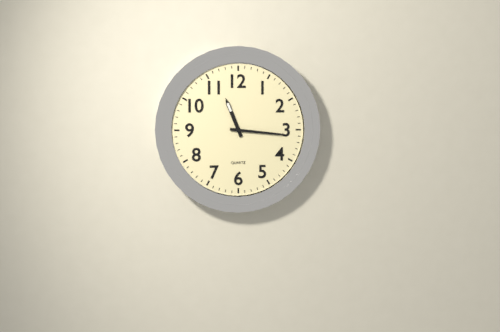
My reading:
11:16
